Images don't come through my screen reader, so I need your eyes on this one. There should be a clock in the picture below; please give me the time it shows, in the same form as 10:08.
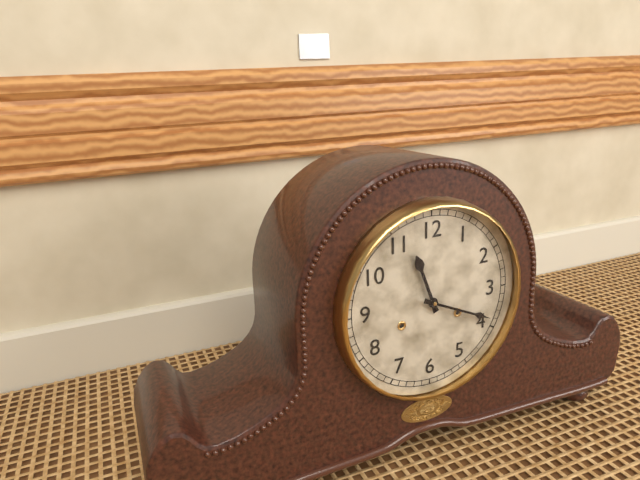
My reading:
11:19
